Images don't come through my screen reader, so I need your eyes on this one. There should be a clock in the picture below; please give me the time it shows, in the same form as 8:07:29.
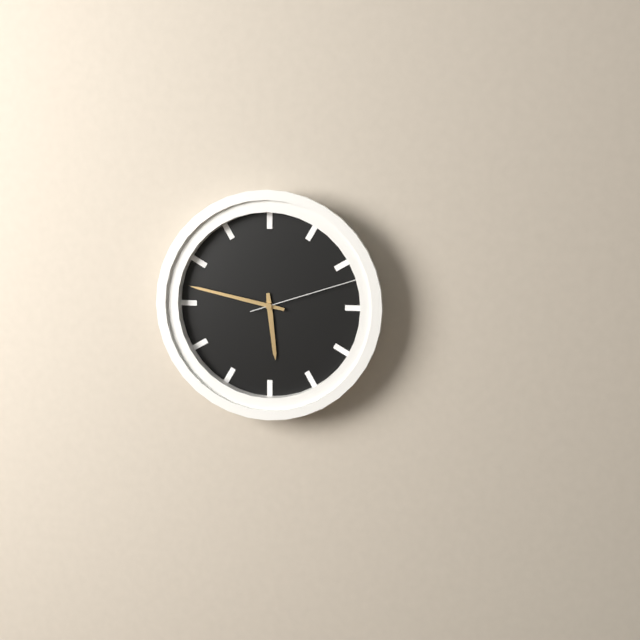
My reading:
5:47:12
